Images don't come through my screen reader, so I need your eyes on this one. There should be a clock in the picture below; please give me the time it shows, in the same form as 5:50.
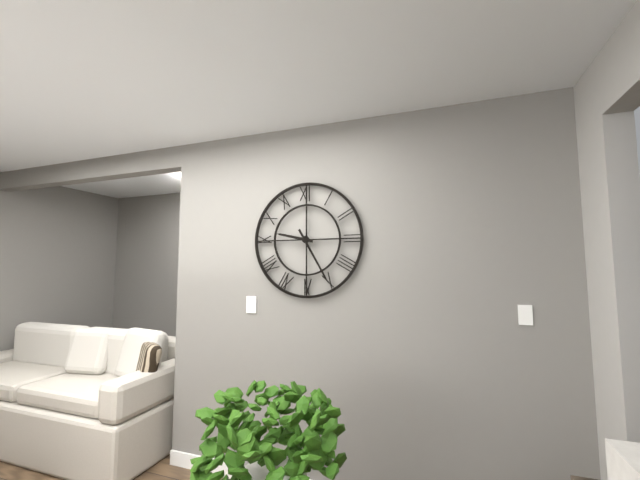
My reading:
9:25
